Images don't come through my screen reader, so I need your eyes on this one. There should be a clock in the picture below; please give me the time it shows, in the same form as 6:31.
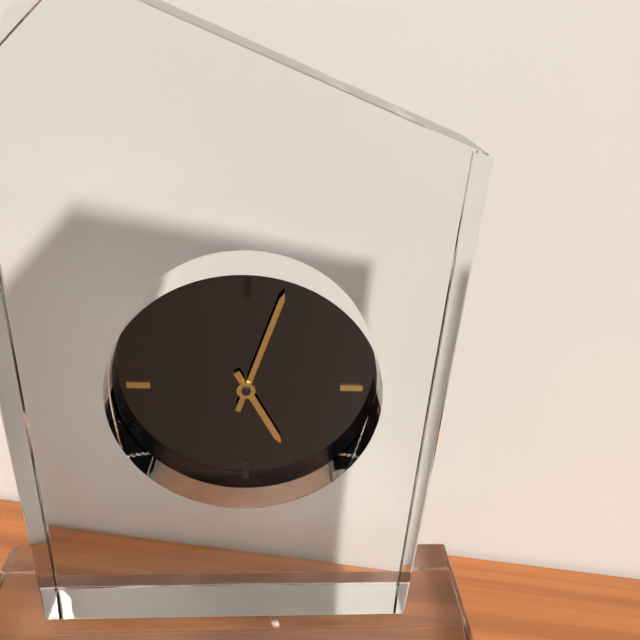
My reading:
5:03
